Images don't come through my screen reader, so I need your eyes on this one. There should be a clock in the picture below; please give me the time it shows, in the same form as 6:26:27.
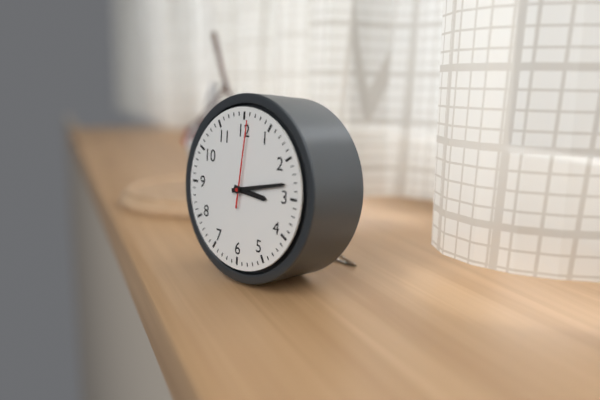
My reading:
3:13:01
